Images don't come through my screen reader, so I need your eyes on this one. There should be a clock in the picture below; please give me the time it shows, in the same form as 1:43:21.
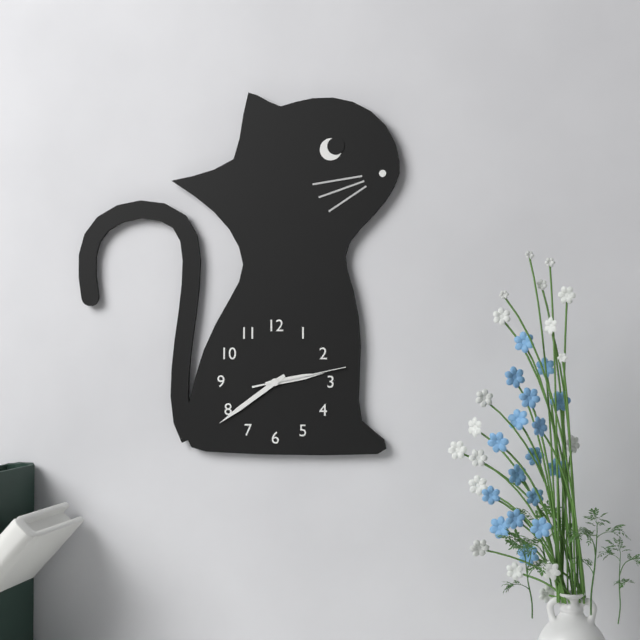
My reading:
2:39:13
